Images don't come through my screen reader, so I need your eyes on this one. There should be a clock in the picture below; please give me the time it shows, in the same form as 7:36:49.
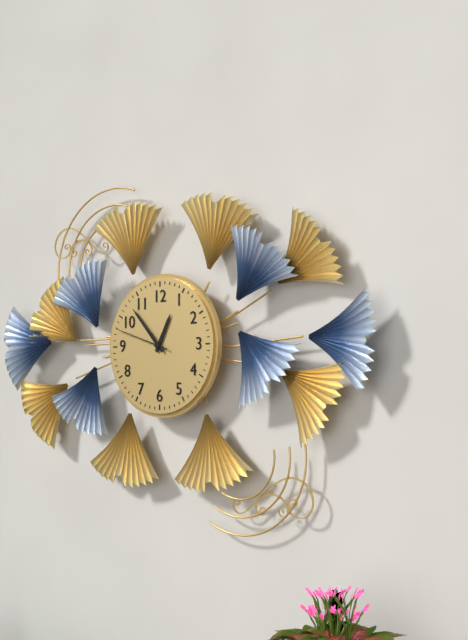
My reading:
12:53:48
